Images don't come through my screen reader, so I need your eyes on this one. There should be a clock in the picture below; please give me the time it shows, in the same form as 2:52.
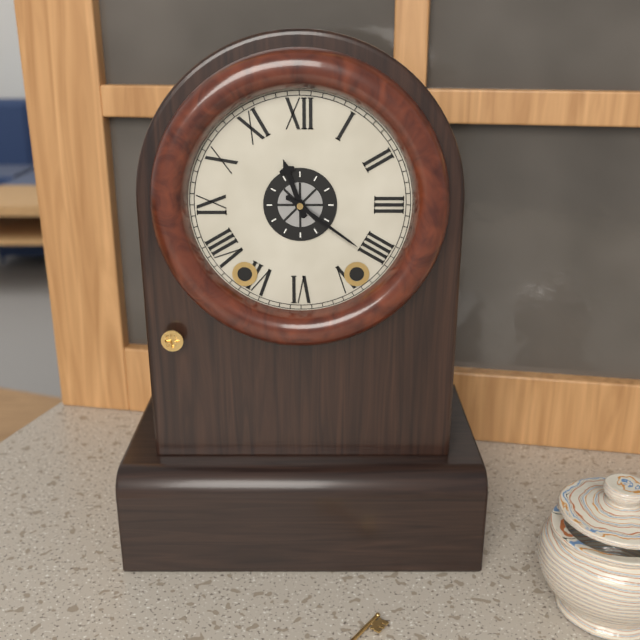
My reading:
11:21
